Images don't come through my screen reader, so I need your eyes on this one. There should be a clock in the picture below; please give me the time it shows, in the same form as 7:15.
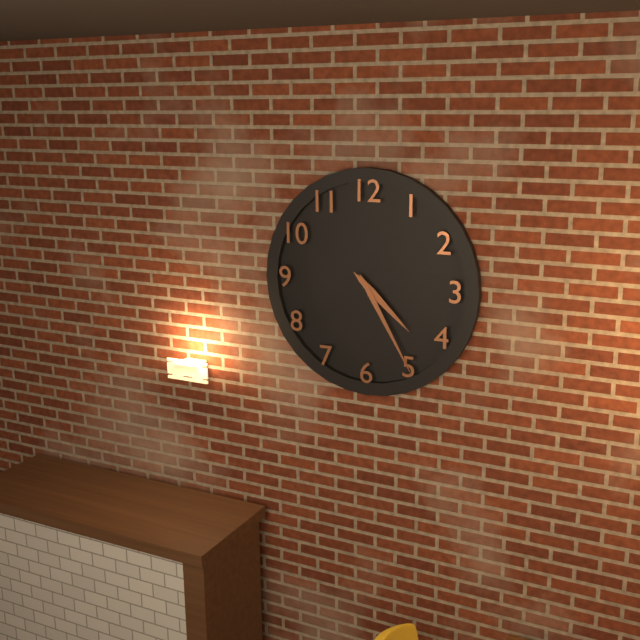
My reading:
4:25
